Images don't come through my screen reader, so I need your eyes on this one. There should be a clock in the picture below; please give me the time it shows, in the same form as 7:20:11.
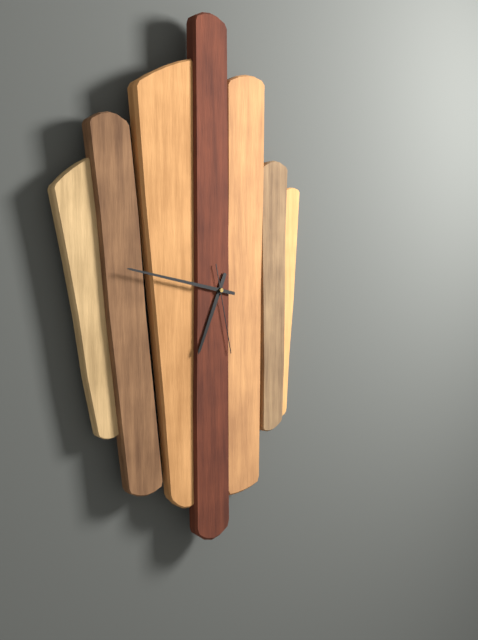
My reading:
6:47:28
